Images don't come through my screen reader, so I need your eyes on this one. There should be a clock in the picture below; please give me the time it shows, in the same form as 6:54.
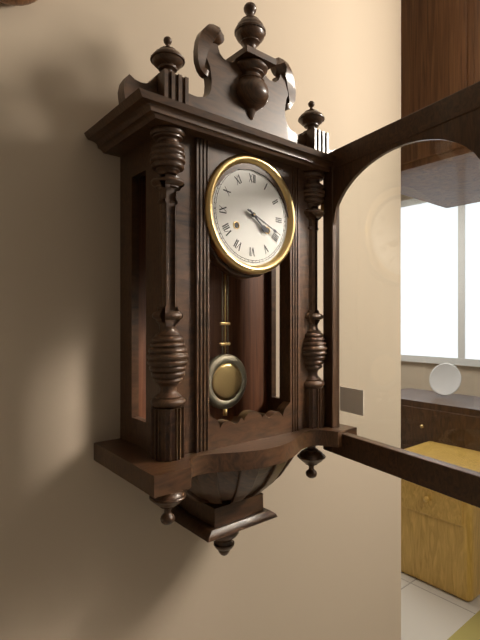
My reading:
4:19
